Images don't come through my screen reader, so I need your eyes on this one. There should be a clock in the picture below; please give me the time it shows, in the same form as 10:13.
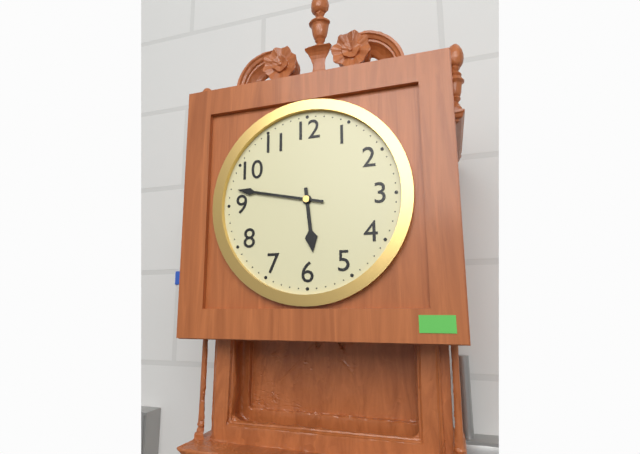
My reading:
5:47
